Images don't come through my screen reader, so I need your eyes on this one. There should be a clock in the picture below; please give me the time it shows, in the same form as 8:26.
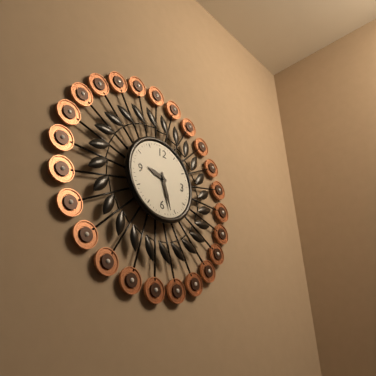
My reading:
9:27
